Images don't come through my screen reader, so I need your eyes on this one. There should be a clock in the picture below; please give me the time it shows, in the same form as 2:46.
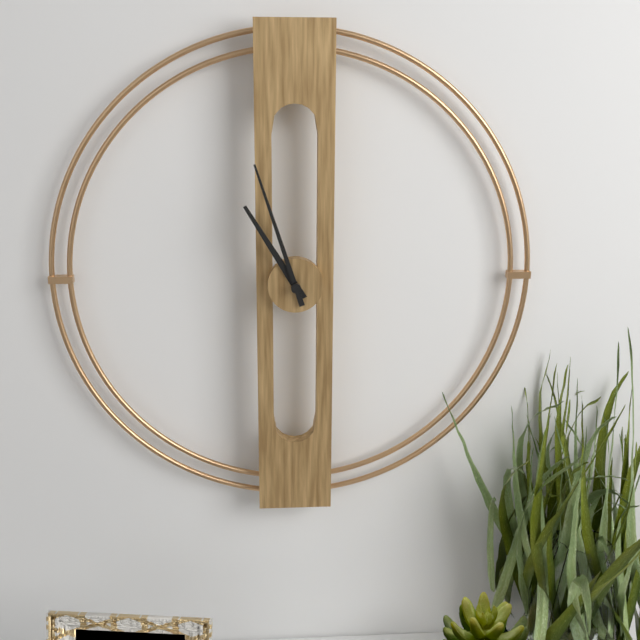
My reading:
10:57
